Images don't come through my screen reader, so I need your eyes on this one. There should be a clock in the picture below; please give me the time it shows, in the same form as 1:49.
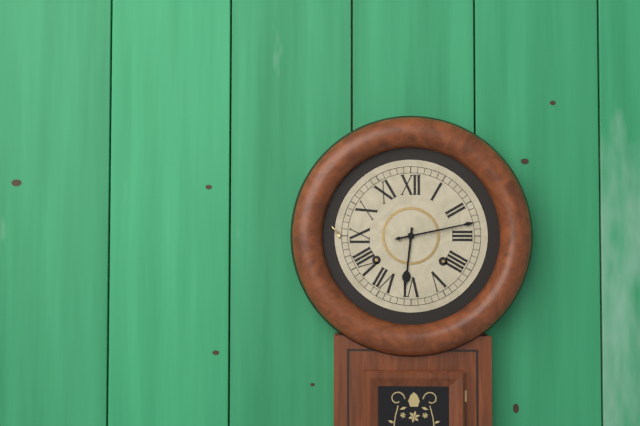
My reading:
6:13
